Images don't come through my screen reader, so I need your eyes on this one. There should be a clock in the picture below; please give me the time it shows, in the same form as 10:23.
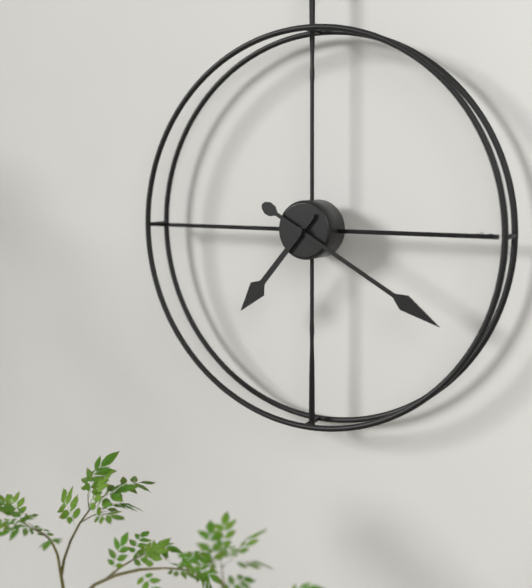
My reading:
7:20
